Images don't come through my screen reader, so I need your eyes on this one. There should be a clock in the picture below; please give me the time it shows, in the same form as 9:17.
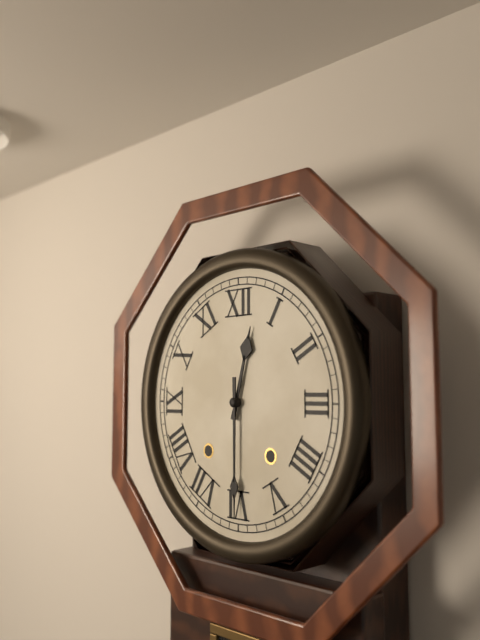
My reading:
12:30
